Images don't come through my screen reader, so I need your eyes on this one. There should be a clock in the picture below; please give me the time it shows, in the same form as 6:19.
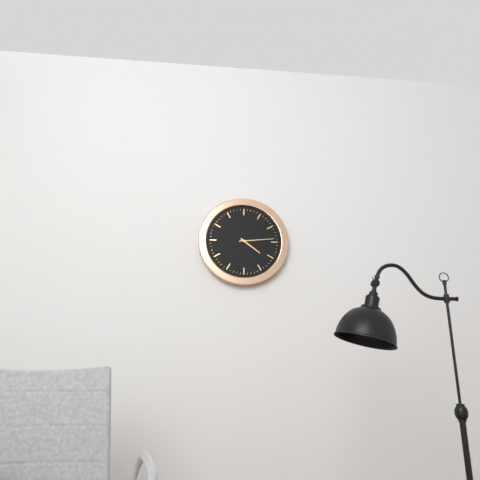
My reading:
4:14
